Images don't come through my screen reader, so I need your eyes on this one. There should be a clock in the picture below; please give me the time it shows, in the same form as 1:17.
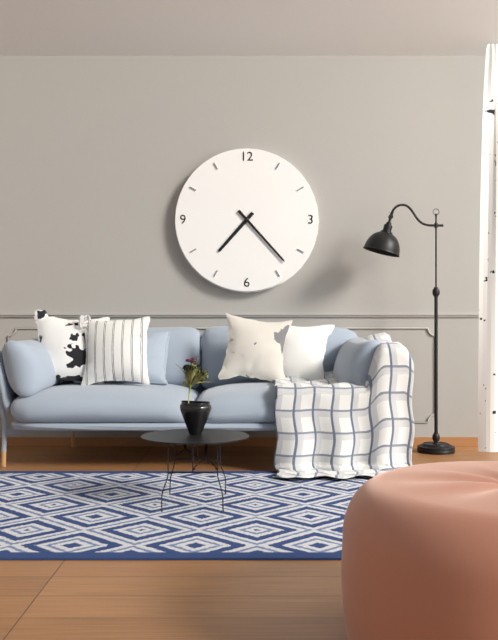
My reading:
7:23
